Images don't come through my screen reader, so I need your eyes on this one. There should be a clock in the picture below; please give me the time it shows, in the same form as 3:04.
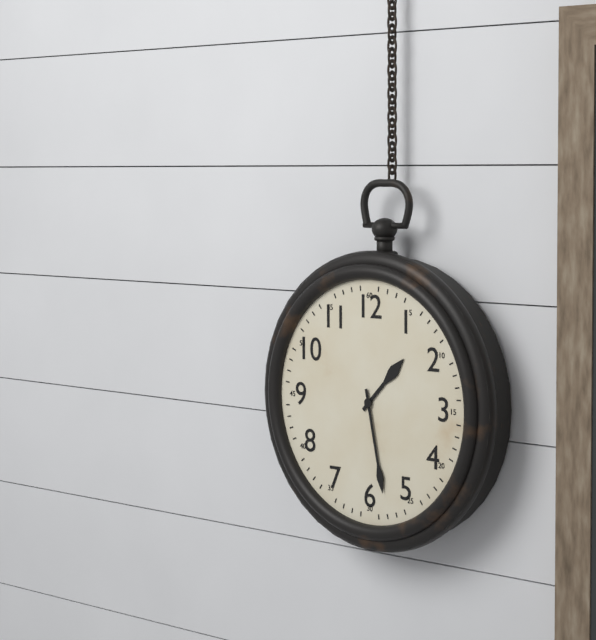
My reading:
1:28
